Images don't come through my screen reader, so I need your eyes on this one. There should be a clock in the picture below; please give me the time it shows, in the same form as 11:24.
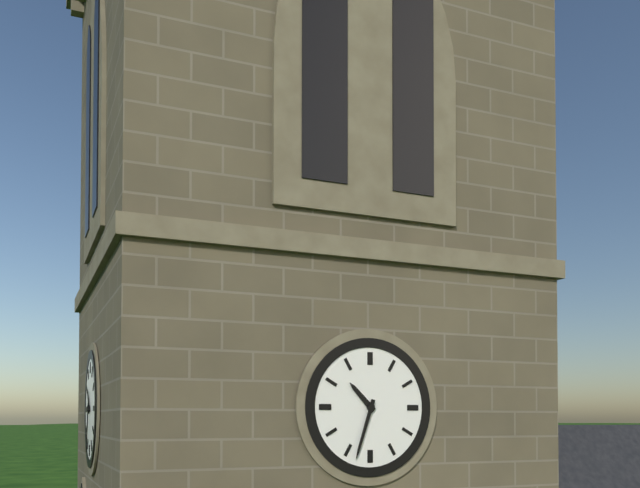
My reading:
10:33
